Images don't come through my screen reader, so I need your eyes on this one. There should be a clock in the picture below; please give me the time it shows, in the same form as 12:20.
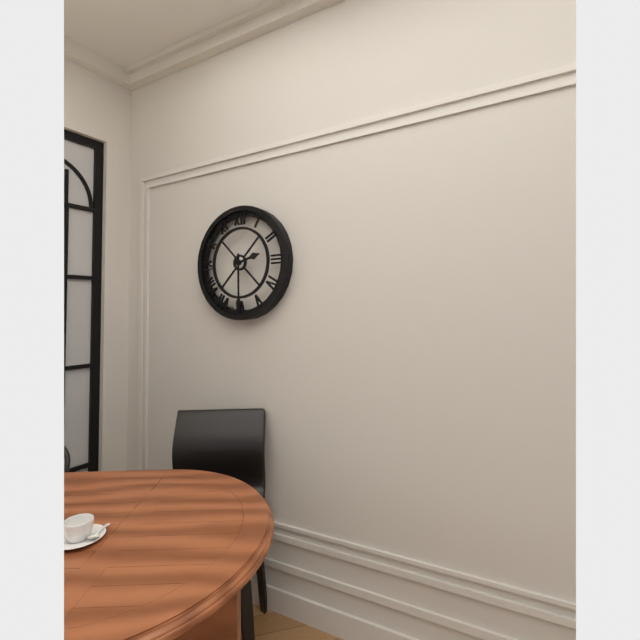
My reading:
2:30
